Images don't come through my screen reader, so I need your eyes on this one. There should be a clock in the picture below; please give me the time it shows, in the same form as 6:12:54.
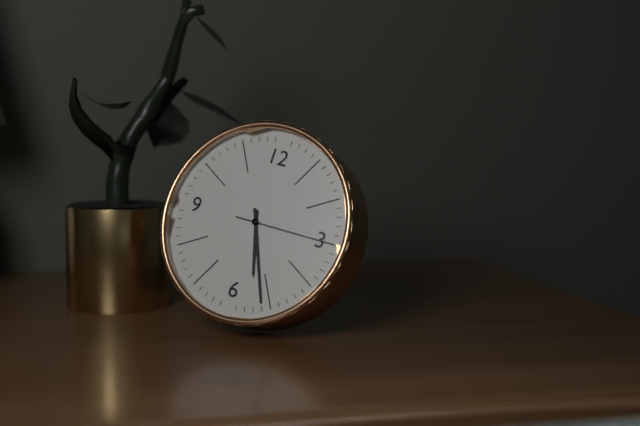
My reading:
5:26:15
